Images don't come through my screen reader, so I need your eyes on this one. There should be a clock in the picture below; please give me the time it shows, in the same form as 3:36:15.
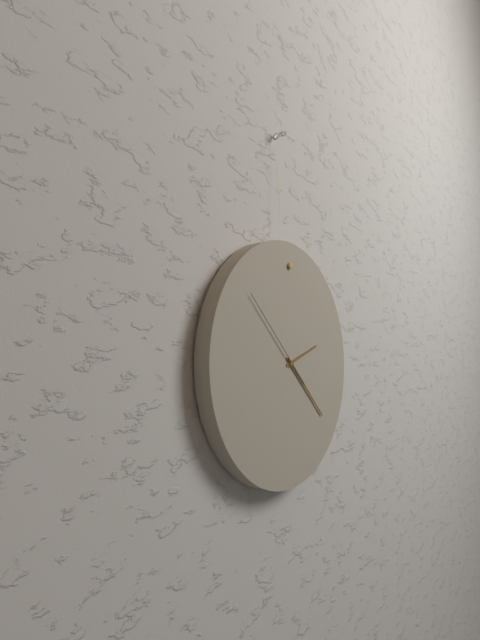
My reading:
2:22:52
